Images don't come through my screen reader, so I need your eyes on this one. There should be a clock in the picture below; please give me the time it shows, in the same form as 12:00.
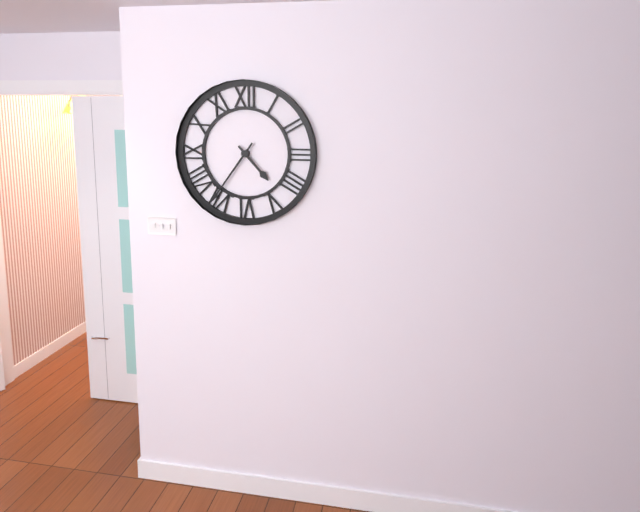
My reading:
4:36
